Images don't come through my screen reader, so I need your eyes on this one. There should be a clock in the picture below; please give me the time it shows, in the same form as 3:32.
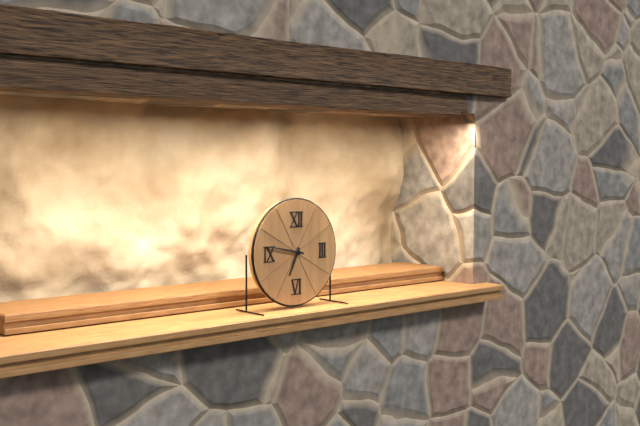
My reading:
6:47
